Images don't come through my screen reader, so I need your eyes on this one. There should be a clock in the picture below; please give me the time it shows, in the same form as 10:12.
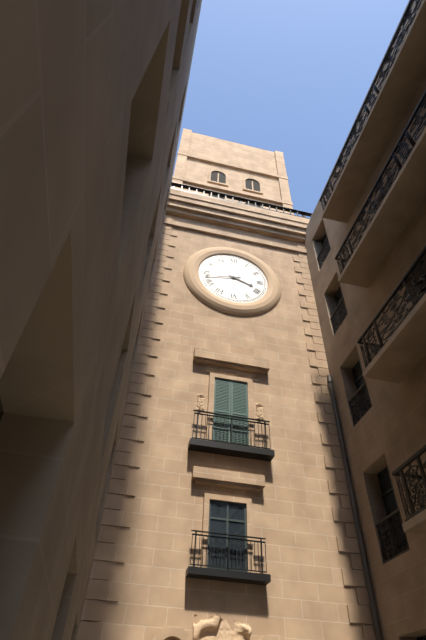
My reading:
3:43
